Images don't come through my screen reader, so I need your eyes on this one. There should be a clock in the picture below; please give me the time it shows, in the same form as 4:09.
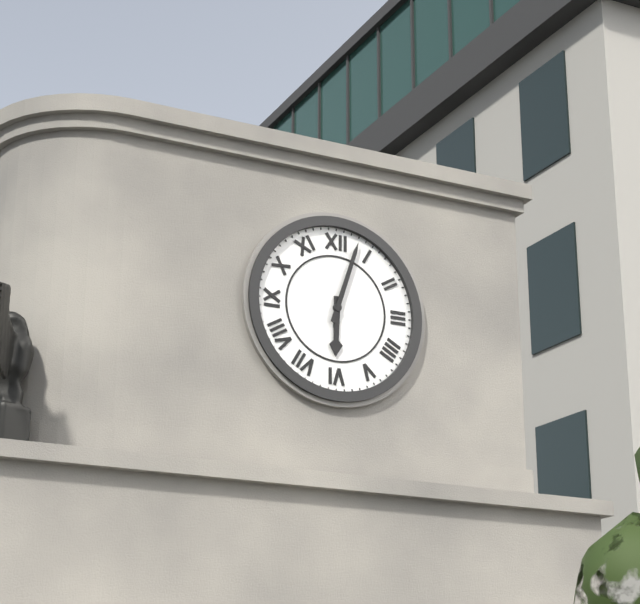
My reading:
6:03
